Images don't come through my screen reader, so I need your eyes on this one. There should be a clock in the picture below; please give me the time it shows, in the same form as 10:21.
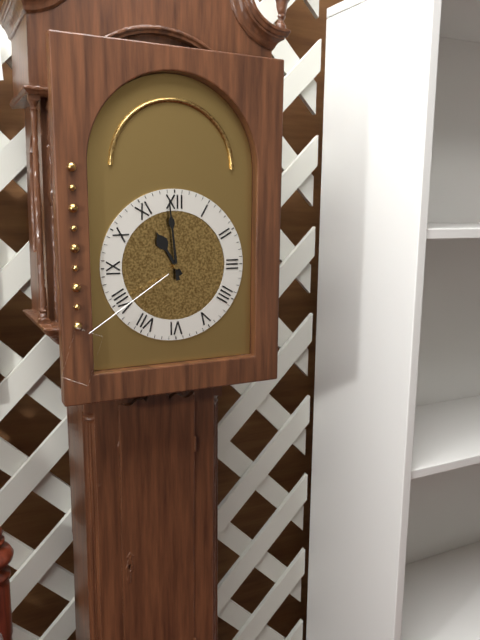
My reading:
10:59
